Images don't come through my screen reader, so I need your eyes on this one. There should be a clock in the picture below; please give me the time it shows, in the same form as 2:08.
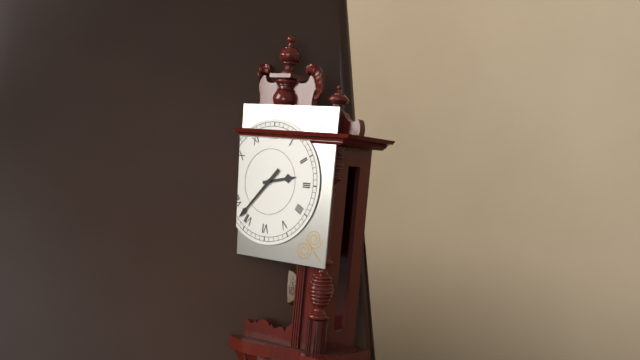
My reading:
2:37
